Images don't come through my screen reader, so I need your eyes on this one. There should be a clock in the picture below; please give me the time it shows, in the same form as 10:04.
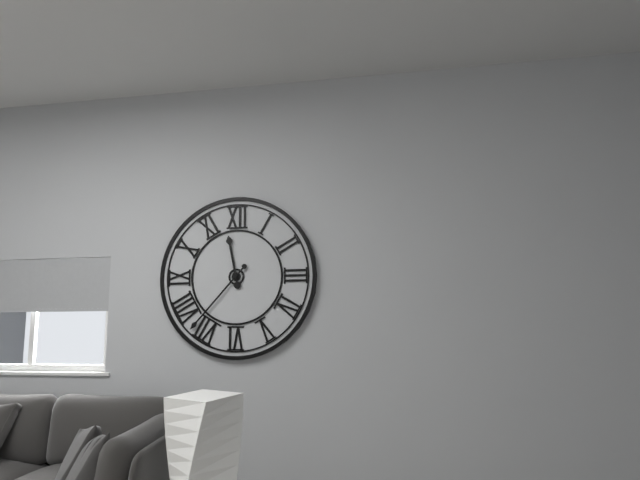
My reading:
11:37
